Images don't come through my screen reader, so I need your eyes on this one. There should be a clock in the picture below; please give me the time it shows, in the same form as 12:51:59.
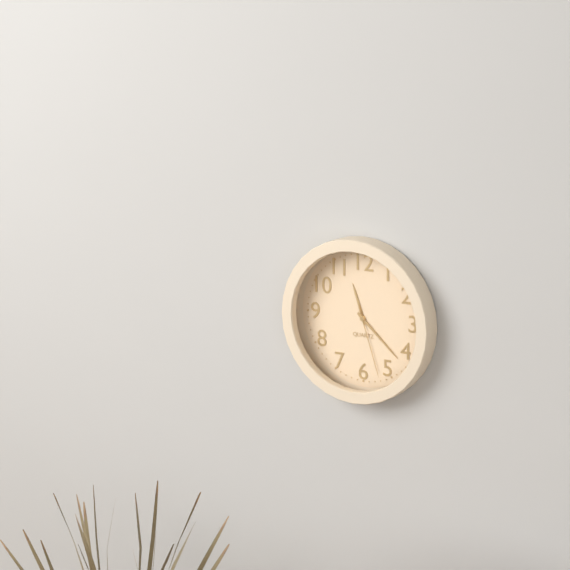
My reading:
11:22:27
